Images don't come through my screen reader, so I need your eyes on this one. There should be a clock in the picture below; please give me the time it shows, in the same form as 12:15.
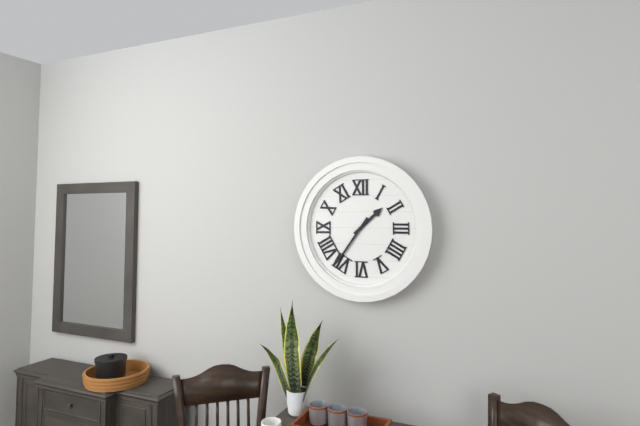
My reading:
1:36
